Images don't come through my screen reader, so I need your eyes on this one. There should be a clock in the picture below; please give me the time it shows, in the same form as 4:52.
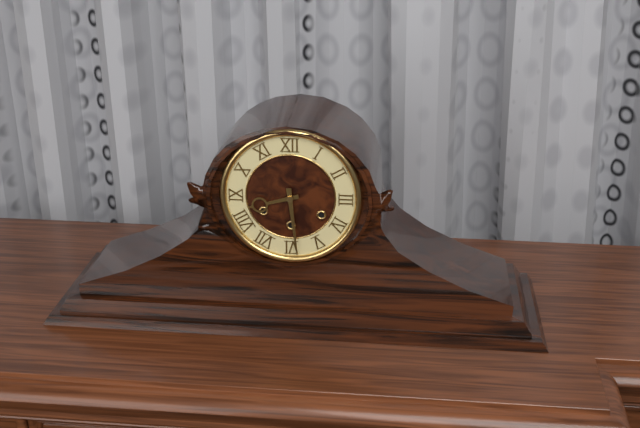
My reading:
8:29
